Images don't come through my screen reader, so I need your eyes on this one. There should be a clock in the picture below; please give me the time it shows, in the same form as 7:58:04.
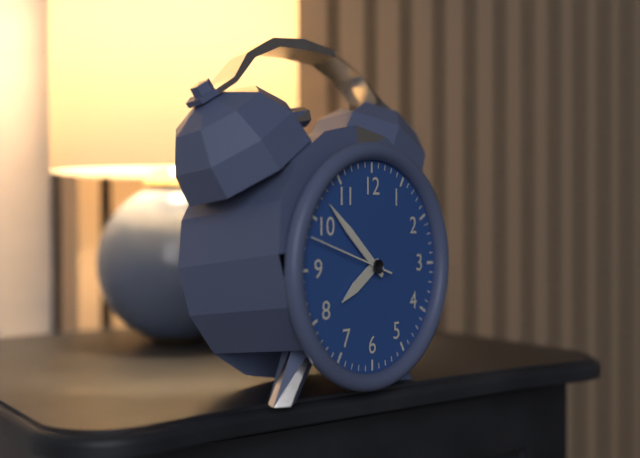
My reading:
7:52:48
